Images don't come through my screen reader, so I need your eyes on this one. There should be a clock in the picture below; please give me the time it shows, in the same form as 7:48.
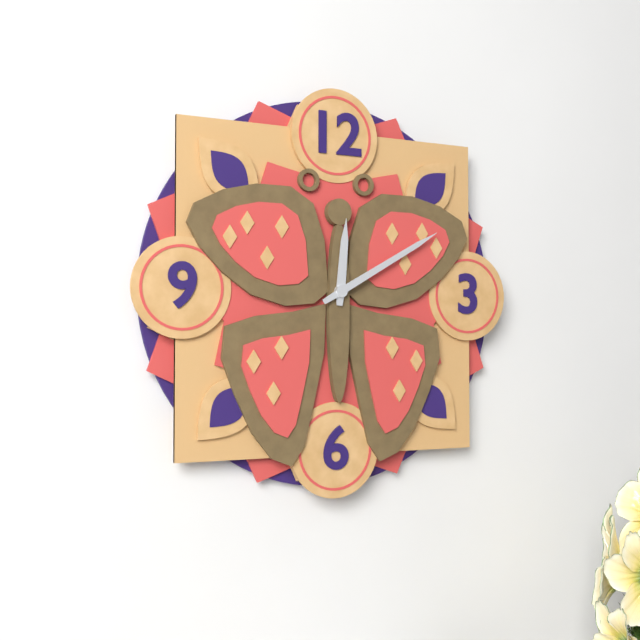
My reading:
12:10
